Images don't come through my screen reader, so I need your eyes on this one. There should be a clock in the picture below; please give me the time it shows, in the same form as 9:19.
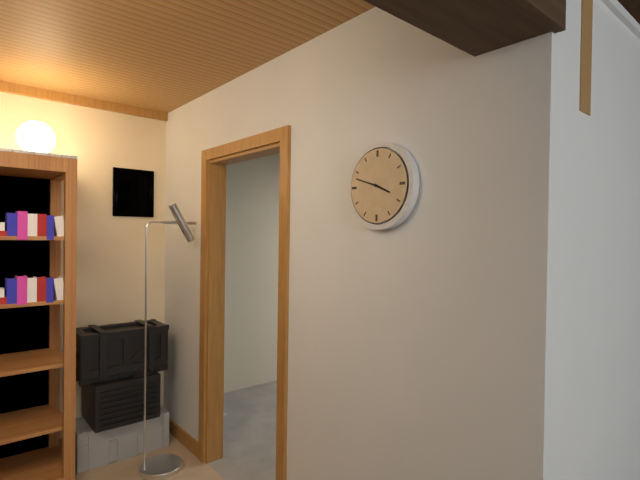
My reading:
3:48
